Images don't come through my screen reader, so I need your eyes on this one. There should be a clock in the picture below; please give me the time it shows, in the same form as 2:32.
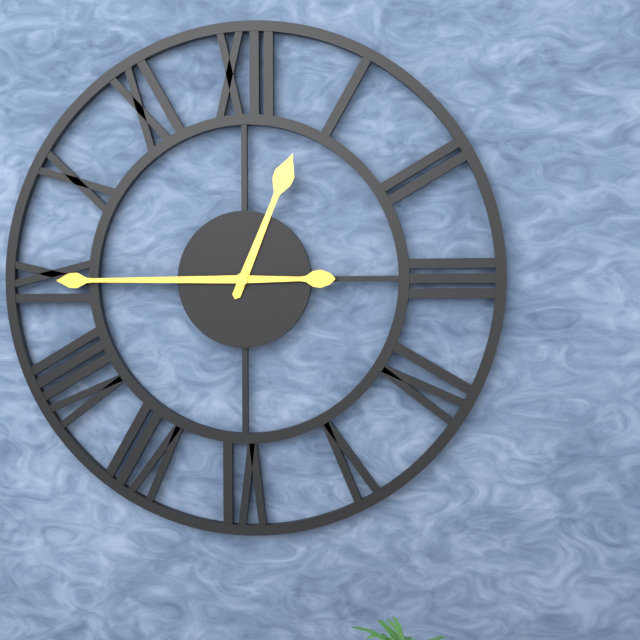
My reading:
12:45
